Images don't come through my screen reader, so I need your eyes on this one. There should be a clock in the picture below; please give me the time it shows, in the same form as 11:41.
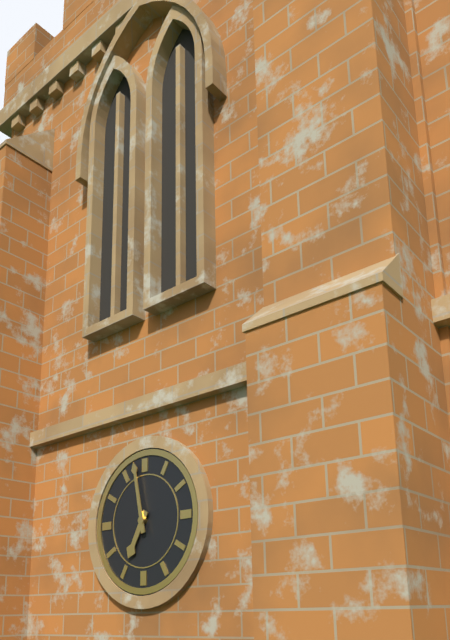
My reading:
6:58
